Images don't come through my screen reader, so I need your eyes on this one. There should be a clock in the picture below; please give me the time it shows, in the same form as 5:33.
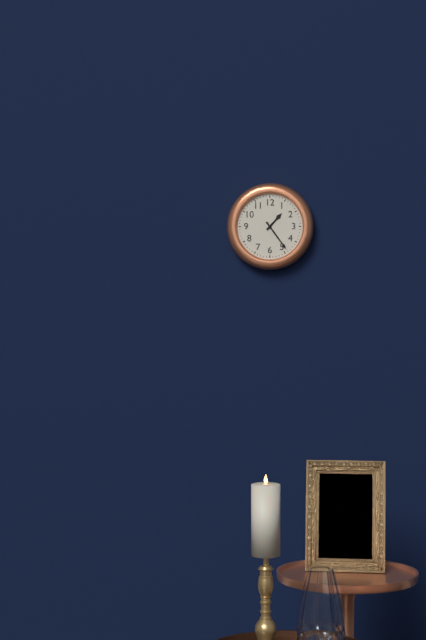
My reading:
1:24
